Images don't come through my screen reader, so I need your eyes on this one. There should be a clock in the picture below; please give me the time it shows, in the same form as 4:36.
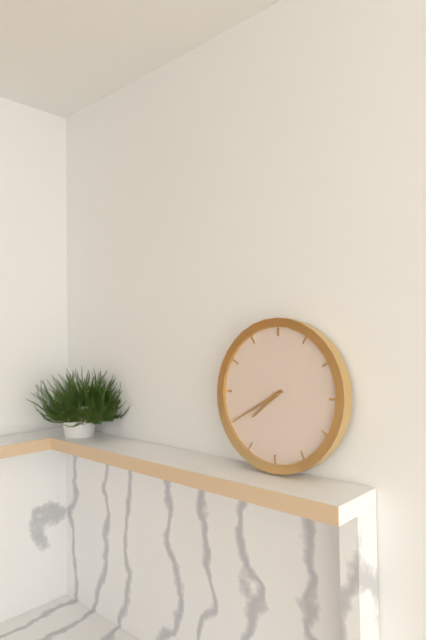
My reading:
7:40
